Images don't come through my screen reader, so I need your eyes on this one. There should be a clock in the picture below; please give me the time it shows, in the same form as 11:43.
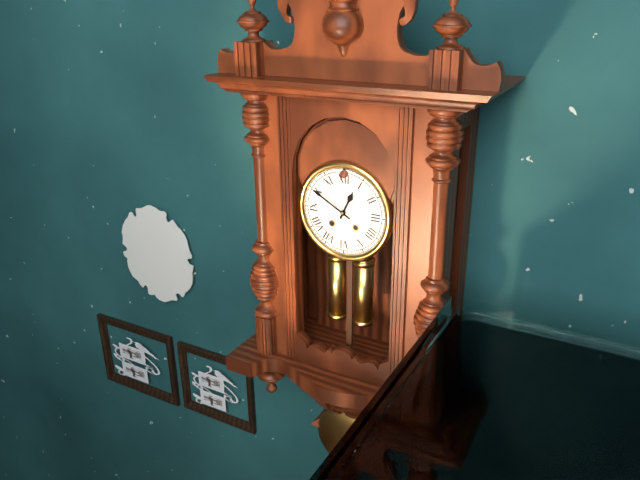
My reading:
12:50
